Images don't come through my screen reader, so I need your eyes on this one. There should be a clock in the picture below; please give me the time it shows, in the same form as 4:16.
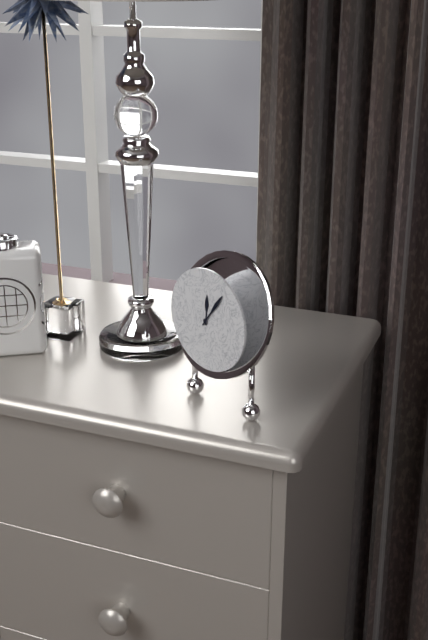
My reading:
12:06
